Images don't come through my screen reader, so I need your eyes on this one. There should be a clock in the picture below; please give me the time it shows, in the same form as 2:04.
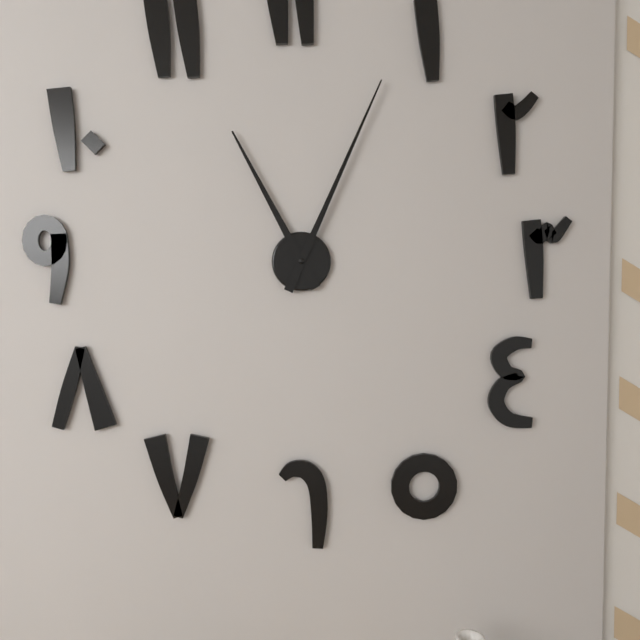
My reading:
11:04
